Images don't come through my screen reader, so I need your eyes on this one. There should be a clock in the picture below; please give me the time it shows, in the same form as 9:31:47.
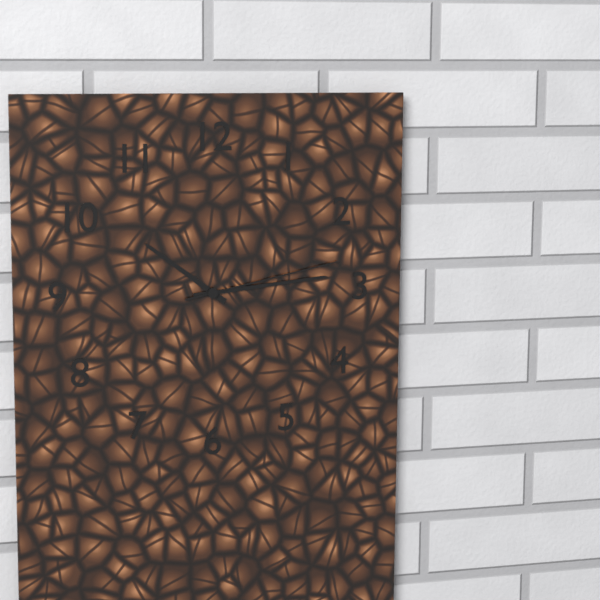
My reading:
10:14:13
